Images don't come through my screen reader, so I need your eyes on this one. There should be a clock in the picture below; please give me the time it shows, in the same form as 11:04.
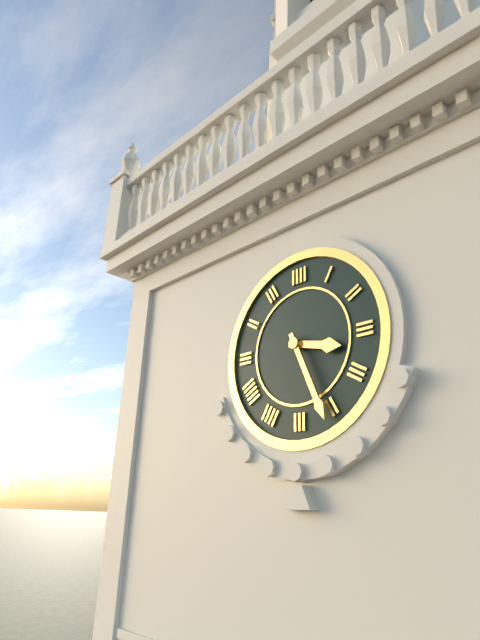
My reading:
3:26
